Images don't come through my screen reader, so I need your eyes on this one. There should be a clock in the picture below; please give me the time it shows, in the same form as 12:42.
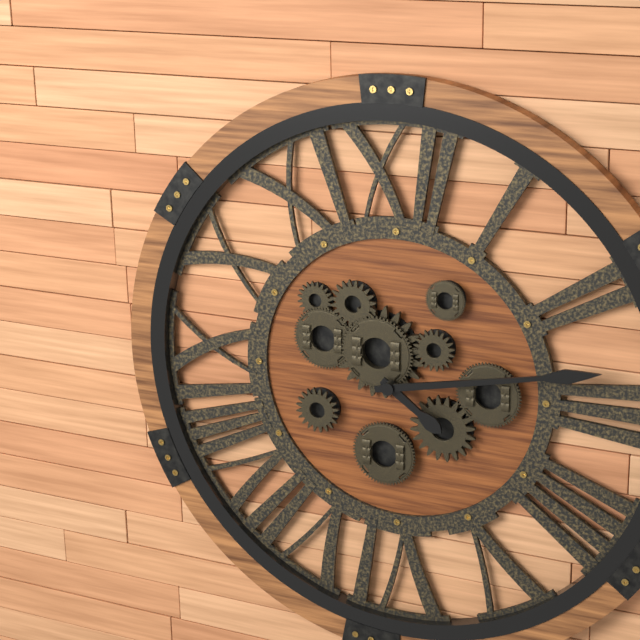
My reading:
4:13
